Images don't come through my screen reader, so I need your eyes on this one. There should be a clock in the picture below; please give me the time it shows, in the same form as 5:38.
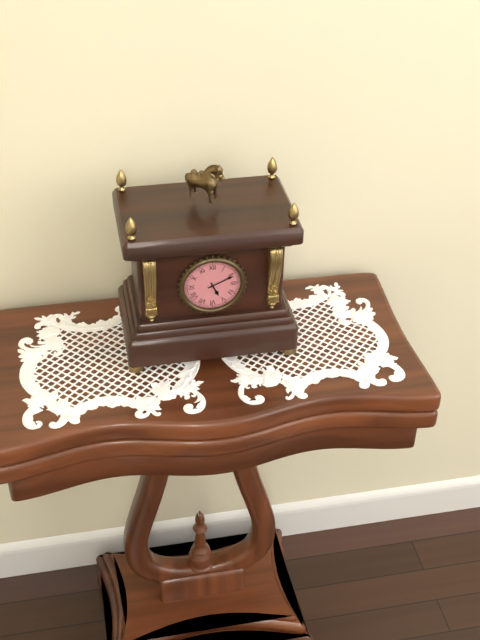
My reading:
5:11
